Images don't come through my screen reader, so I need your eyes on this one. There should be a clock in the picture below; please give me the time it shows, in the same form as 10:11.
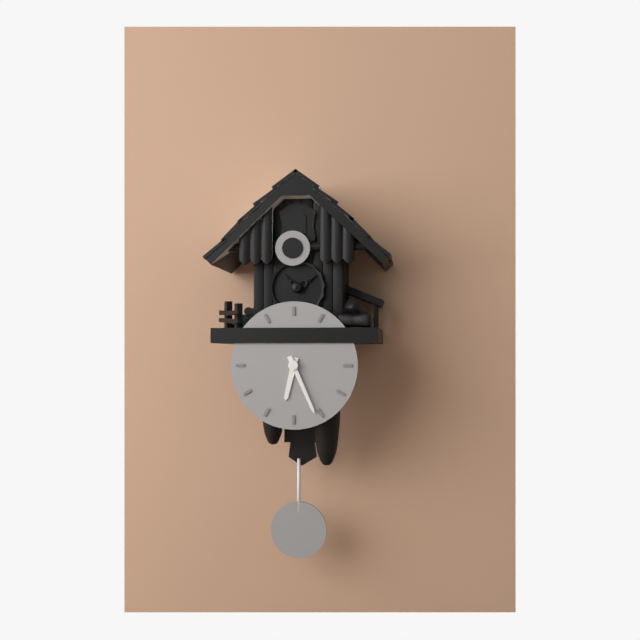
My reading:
6:26
